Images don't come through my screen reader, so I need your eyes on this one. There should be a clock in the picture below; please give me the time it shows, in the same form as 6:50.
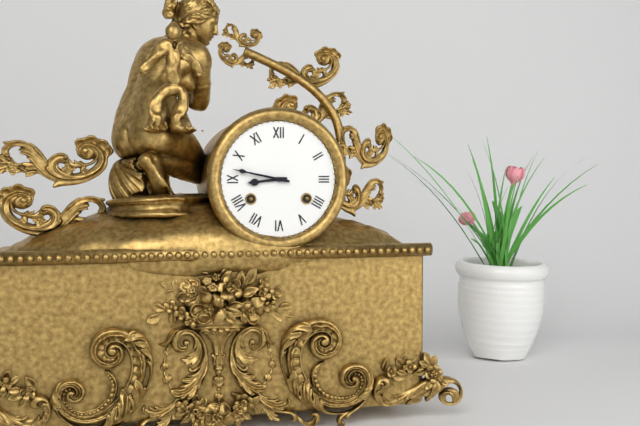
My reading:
8:47
